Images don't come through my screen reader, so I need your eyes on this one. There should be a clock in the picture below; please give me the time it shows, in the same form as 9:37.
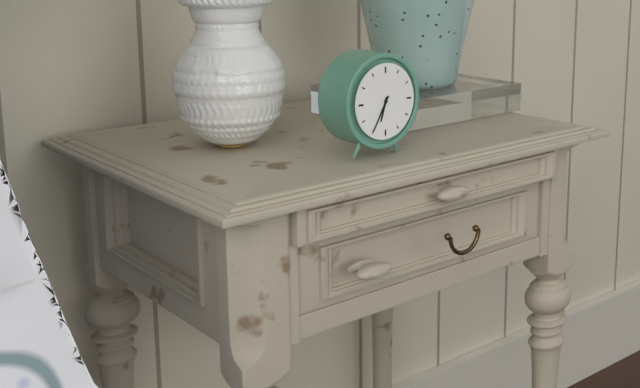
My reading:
6:35
